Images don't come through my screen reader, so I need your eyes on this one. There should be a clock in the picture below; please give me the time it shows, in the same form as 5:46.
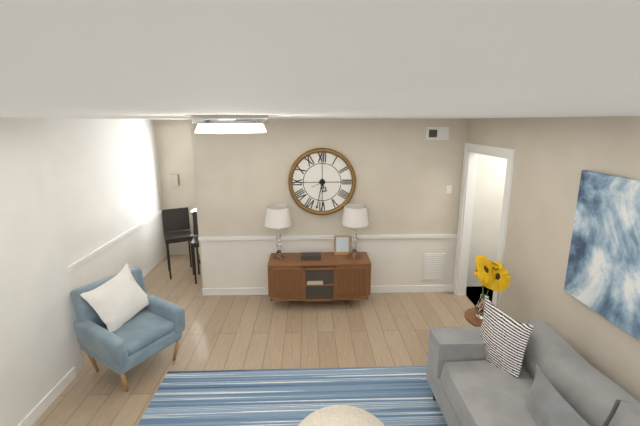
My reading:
5:32
